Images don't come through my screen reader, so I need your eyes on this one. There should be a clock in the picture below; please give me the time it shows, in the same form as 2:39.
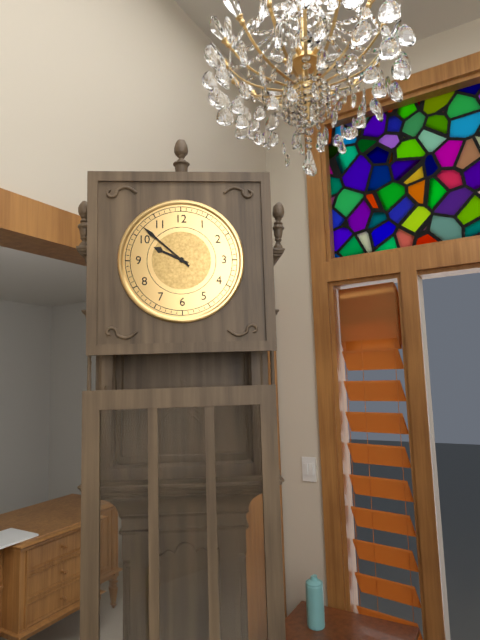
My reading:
9:52
